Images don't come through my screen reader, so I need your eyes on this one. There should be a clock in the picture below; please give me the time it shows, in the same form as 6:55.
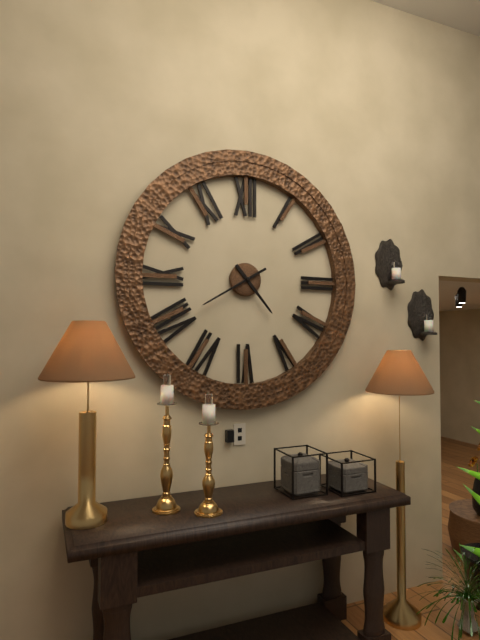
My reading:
4:40
